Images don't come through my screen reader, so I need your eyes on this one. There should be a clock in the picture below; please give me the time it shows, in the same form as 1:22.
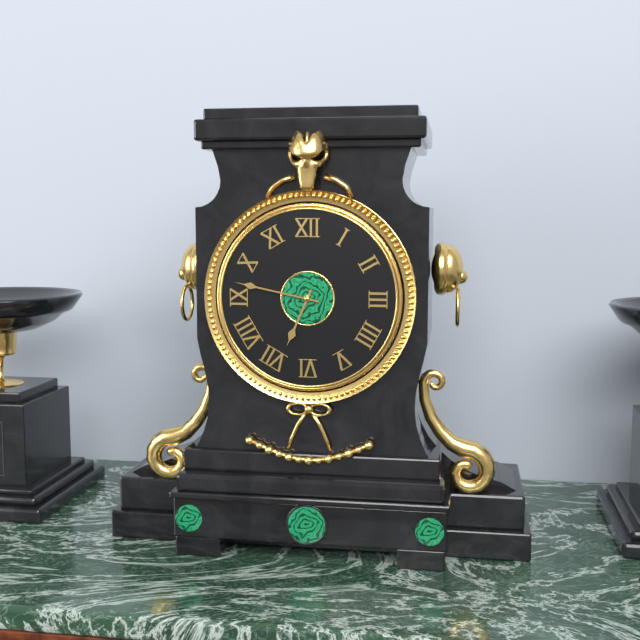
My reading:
6:47
